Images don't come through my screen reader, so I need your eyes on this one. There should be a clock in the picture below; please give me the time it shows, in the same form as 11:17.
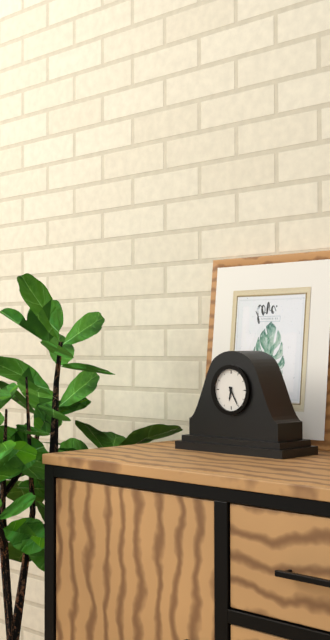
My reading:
6:25
